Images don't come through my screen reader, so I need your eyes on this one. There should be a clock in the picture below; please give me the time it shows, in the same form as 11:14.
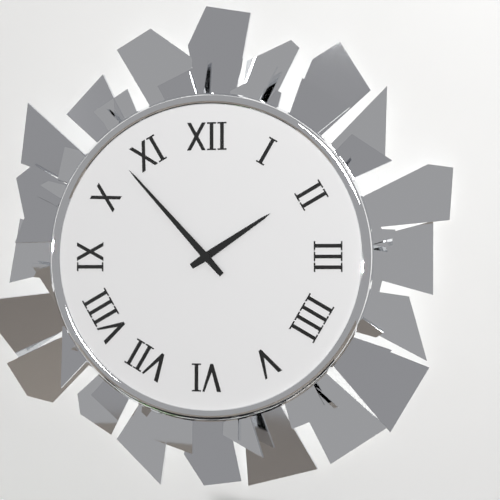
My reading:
1:53
